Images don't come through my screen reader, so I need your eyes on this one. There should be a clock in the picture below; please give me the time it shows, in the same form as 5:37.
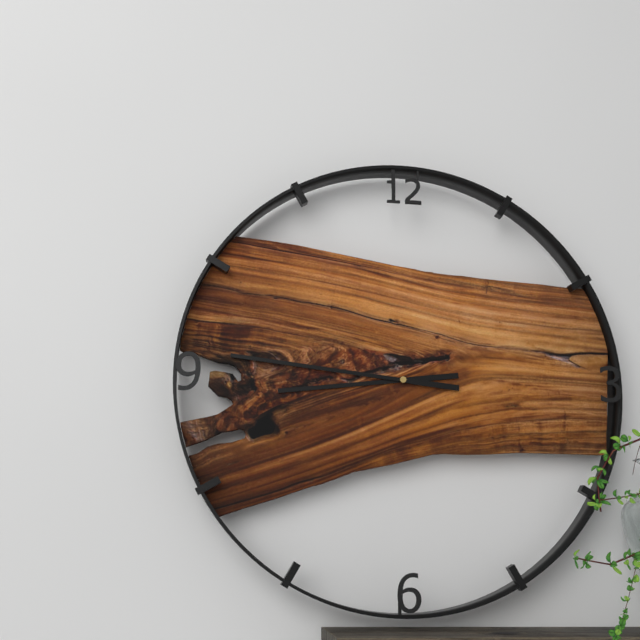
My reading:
8:46
